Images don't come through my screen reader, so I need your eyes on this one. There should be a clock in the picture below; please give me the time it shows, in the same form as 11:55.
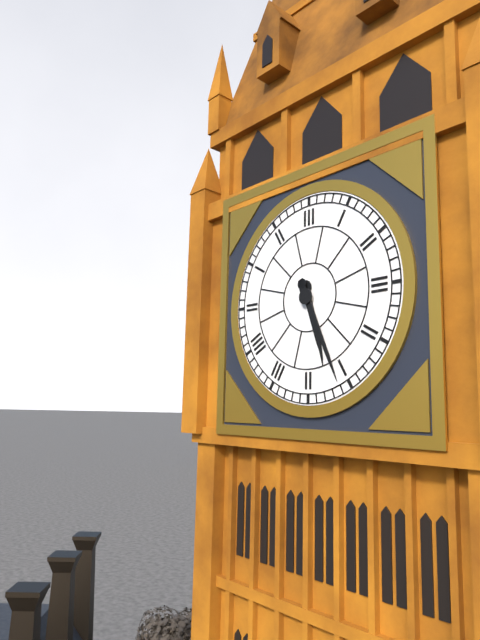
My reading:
5:26
